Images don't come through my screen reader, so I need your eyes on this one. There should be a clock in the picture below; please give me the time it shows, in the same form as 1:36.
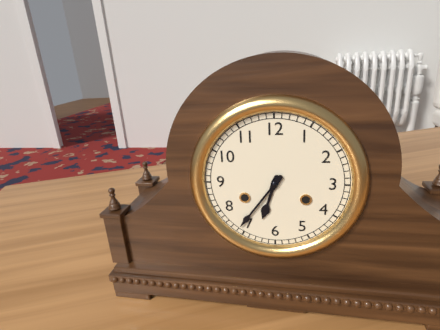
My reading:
6:36
